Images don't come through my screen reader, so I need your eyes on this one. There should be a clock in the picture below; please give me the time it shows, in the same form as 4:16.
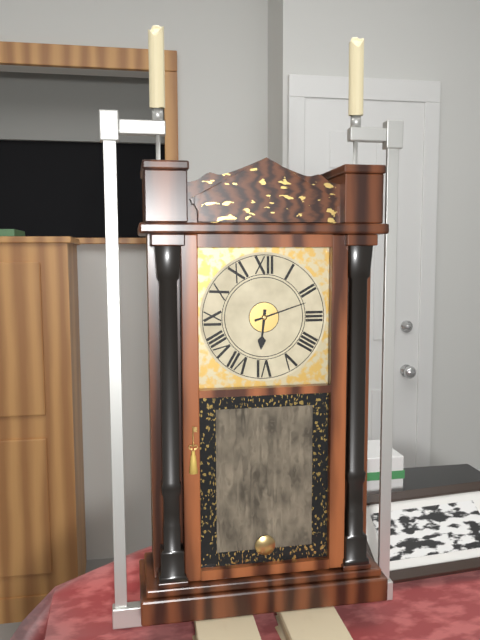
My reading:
6:12
